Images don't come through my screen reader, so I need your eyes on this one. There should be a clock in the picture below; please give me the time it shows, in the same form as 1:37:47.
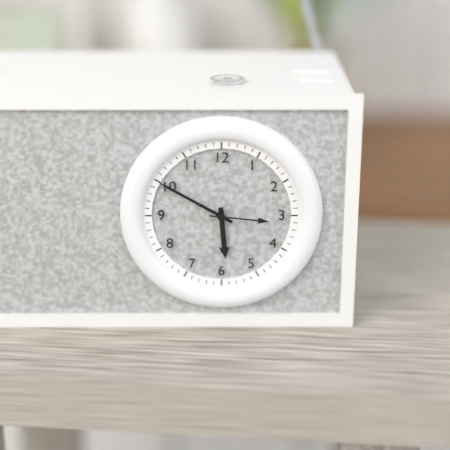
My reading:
5:50:16
